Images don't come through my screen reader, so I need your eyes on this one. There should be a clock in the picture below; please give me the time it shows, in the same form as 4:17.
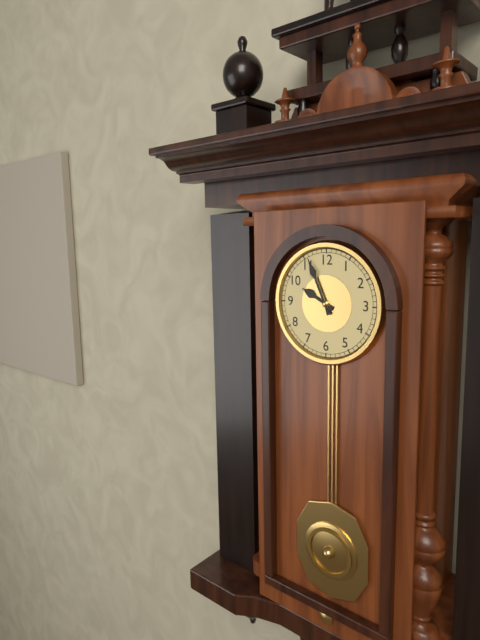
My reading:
9:56
